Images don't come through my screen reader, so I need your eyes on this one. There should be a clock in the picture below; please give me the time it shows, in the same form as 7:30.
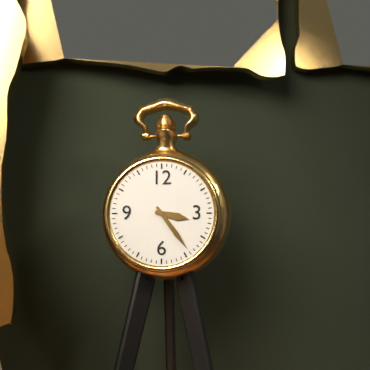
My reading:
3:24
